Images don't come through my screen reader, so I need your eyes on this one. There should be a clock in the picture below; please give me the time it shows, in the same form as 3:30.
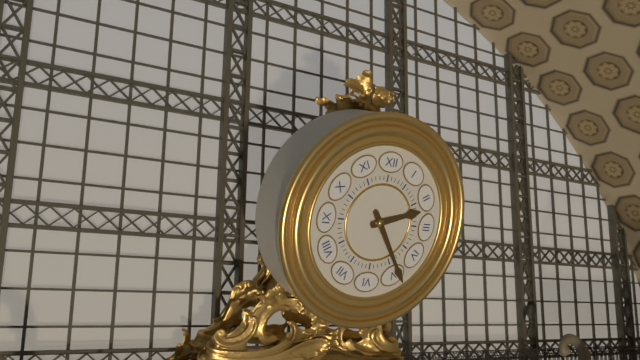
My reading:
2:24
